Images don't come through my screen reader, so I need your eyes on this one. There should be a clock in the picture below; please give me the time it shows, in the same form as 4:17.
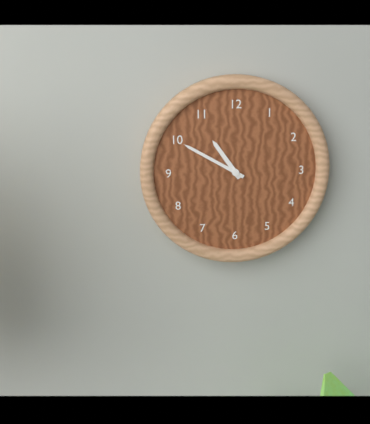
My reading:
10:50
